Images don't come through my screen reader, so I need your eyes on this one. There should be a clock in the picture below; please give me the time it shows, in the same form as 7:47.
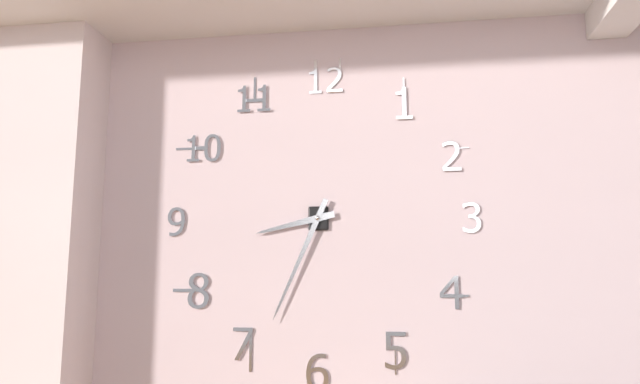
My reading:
8:34
